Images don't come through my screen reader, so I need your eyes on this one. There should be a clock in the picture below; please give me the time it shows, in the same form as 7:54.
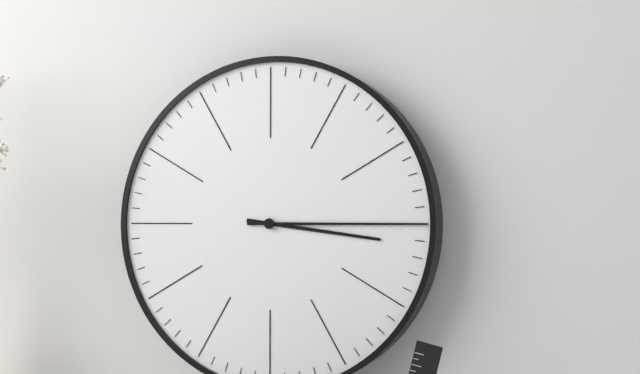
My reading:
3:15
